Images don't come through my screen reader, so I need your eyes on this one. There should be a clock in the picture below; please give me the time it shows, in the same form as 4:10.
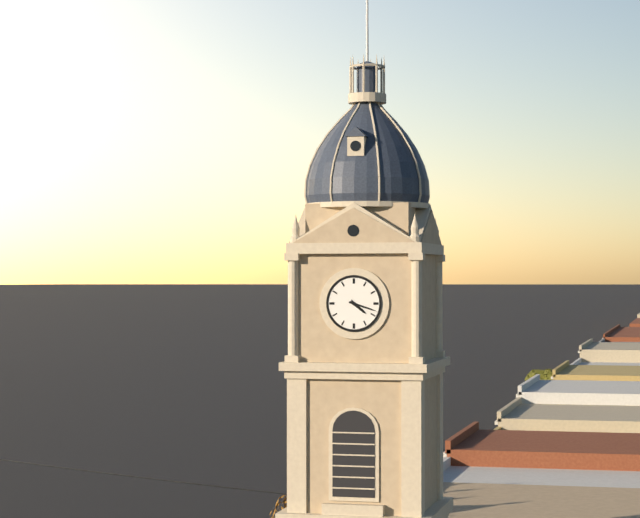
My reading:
4:18
